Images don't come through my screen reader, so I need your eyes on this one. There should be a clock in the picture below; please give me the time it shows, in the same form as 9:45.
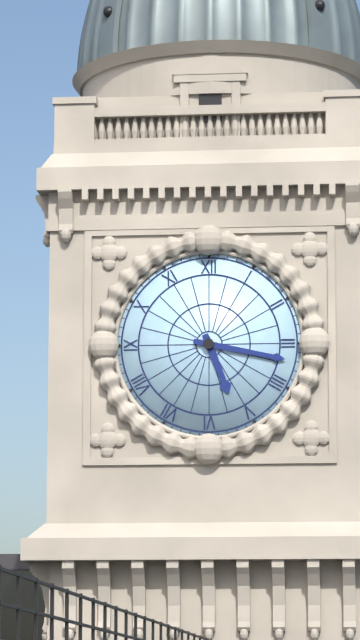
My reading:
5:17
